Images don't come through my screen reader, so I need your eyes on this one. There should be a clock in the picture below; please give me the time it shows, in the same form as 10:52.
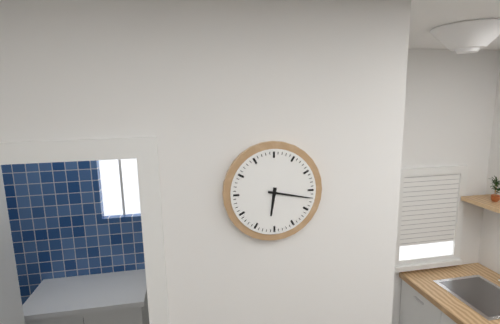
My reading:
6:17
